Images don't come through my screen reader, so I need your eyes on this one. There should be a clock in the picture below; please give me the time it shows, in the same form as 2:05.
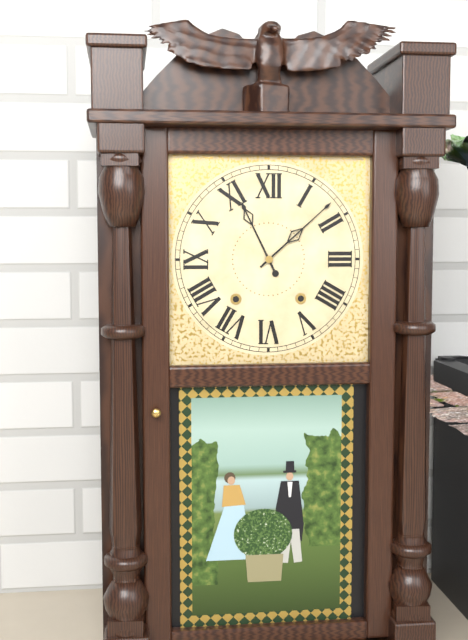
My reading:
11:08
